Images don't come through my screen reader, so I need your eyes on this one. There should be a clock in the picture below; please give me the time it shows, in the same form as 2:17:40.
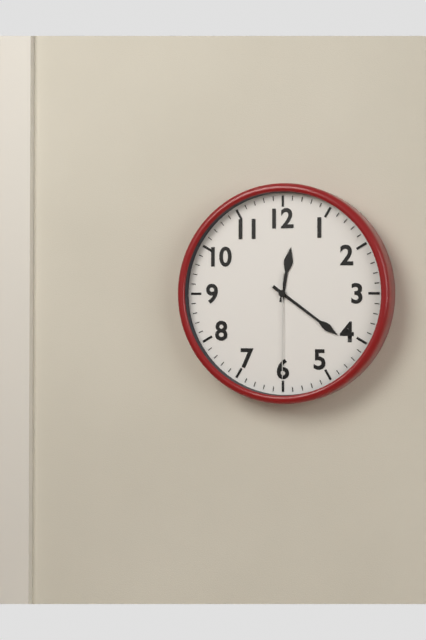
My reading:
12:21:30
